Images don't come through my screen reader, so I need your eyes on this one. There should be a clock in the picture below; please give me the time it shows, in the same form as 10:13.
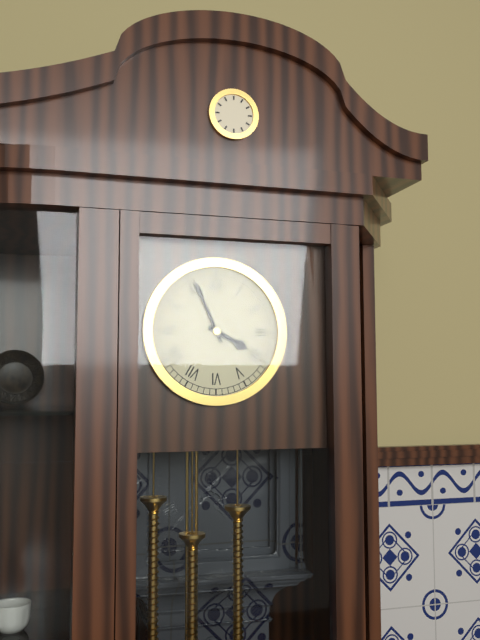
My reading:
3:56
